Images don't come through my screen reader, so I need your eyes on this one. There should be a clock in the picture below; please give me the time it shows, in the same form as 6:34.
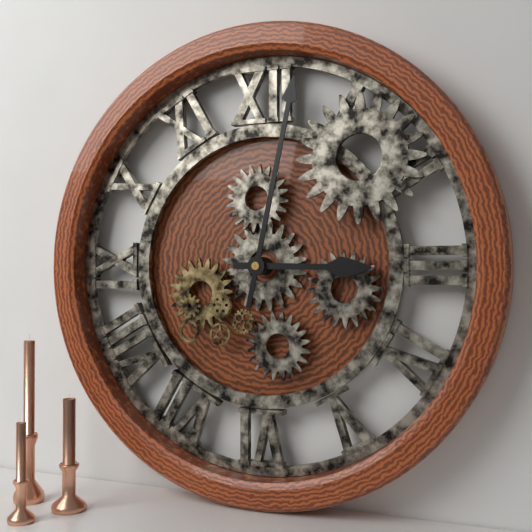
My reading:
3:02
